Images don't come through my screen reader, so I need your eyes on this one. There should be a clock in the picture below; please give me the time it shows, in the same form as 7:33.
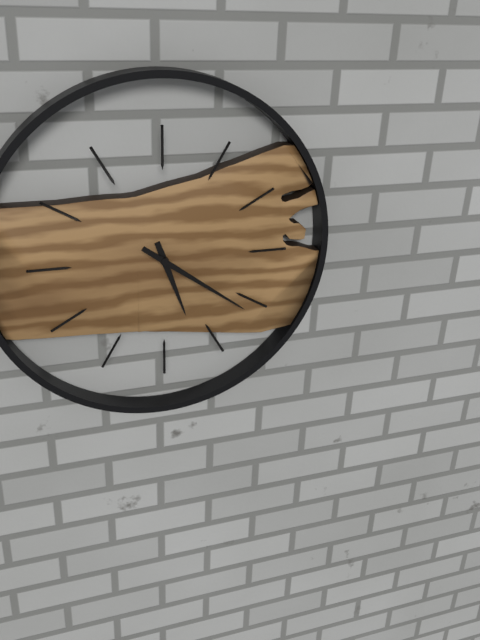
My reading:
5:21
